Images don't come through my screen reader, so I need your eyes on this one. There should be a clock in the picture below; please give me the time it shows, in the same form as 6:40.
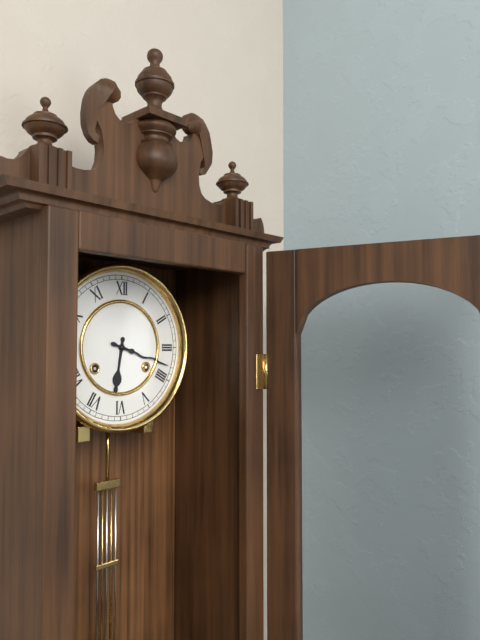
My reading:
6:18
